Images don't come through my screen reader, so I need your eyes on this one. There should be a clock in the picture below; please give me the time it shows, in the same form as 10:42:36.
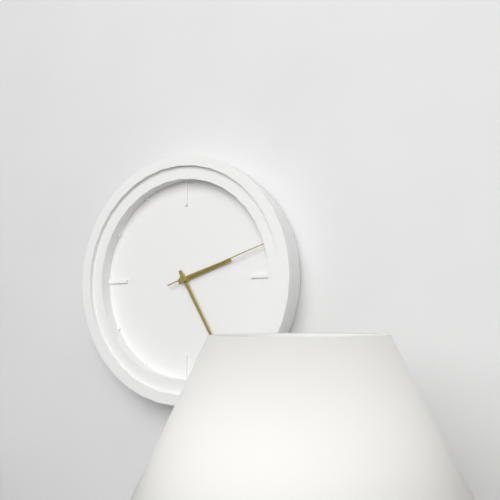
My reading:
2:25:12
